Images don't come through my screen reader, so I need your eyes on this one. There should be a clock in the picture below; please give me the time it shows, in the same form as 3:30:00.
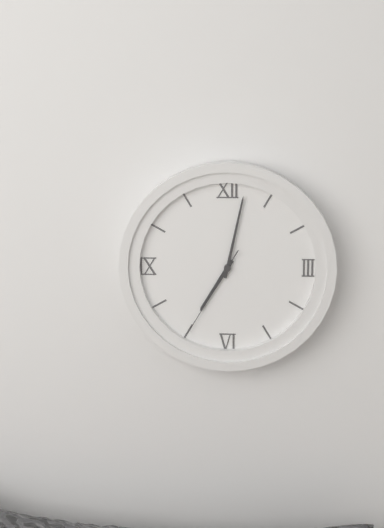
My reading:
7:02:35
